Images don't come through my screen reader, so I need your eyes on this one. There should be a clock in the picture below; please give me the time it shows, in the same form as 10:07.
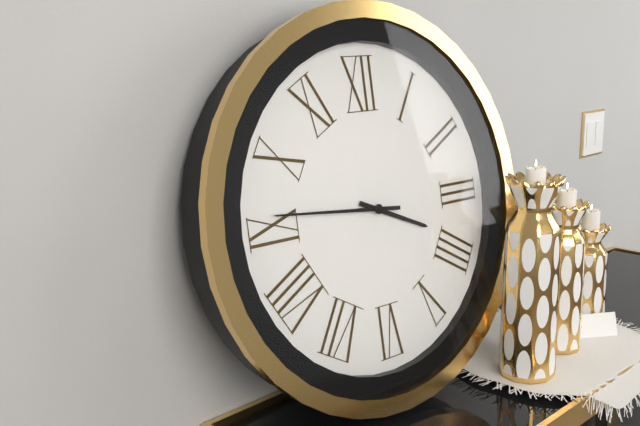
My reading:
3:46
